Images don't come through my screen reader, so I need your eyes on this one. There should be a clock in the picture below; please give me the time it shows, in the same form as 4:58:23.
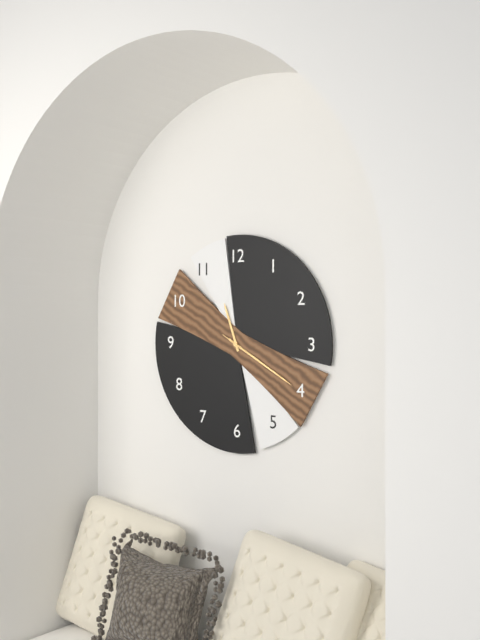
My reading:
11:20:20
